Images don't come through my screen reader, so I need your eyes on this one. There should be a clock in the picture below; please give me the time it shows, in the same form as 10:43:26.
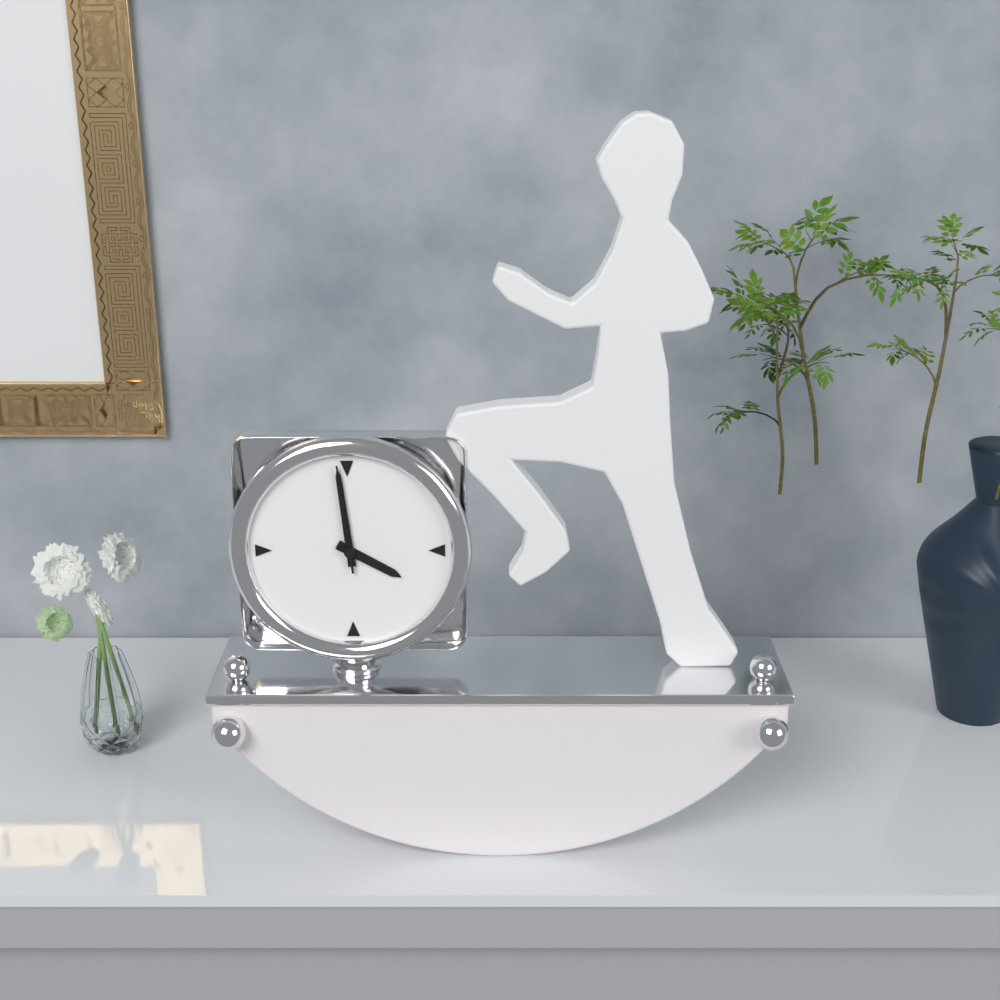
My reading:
3:59:59
